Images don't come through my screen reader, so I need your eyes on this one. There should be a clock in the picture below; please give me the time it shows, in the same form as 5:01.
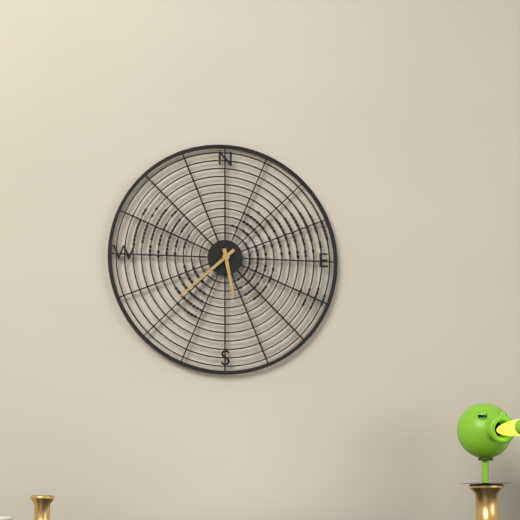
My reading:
5:38
